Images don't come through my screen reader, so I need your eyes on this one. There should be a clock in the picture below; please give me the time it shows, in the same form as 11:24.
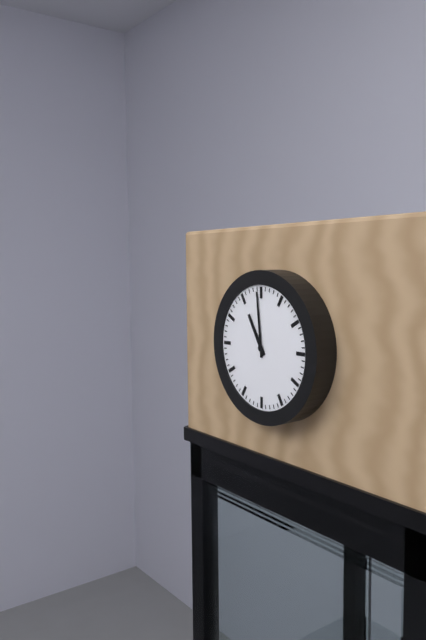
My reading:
10:59
